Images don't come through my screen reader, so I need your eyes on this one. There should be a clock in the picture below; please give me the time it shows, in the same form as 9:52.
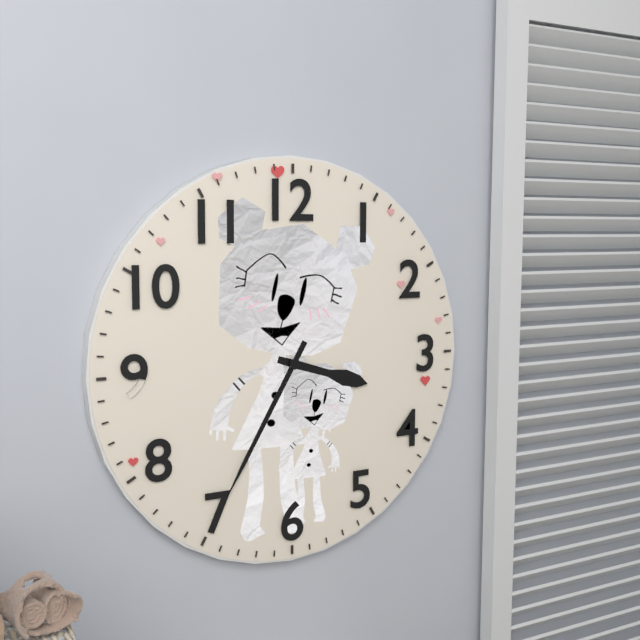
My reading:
3:35
